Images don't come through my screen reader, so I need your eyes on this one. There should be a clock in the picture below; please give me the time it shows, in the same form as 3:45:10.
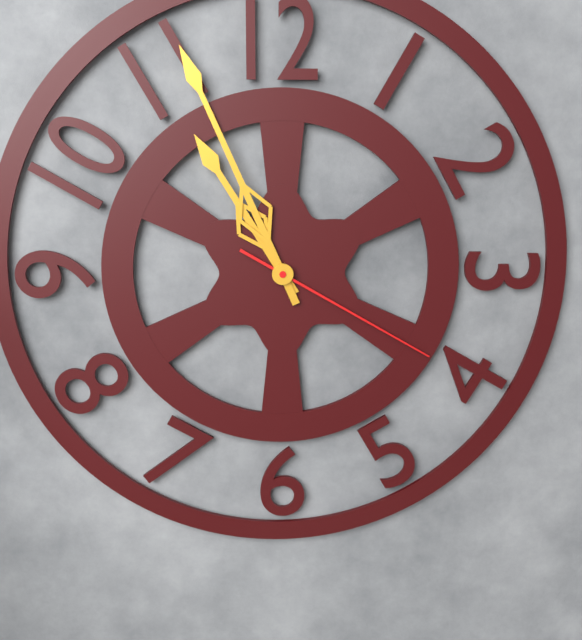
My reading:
10:56:20
